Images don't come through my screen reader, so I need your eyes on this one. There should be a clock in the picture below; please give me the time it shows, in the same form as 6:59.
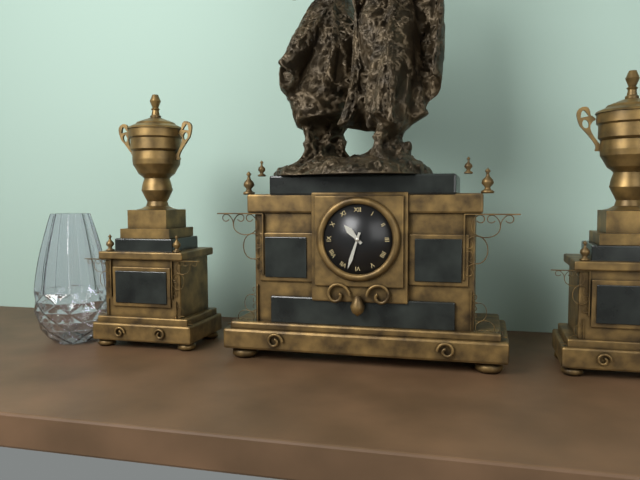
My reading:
10:33
